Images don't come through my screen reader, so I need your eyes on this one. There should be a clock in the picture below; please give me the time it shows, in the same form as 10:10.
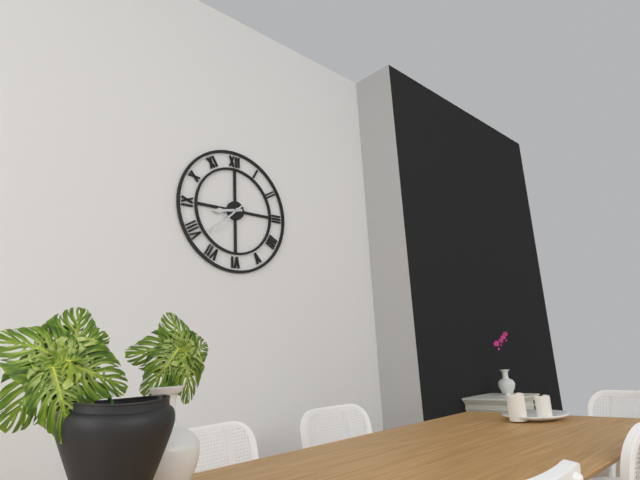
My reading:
8:38
